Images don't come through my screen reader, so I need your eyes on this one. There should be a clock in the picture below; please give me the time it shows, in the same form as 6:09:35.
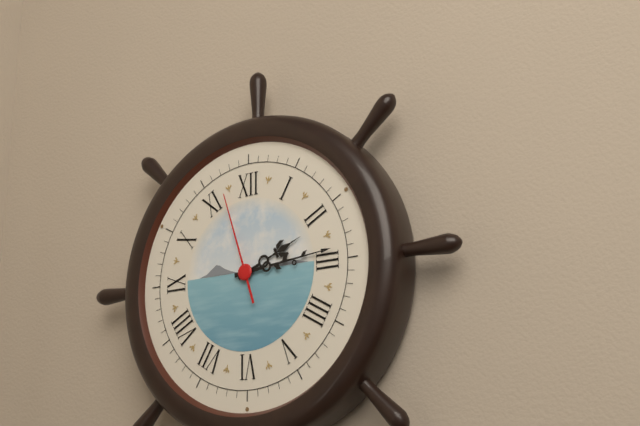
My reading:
2:14:57
